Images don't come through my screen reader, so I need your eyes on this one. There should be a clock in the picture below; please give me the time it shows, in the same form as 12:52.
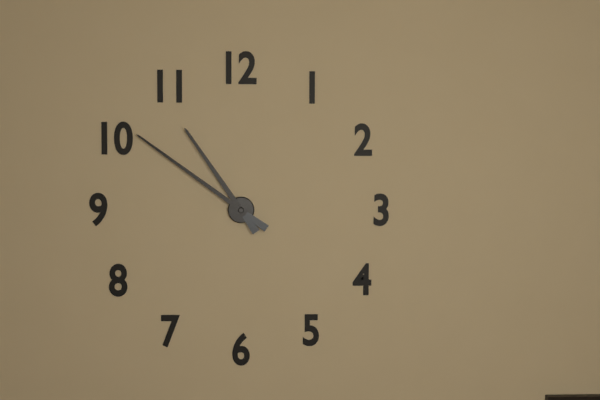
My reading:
10:51
